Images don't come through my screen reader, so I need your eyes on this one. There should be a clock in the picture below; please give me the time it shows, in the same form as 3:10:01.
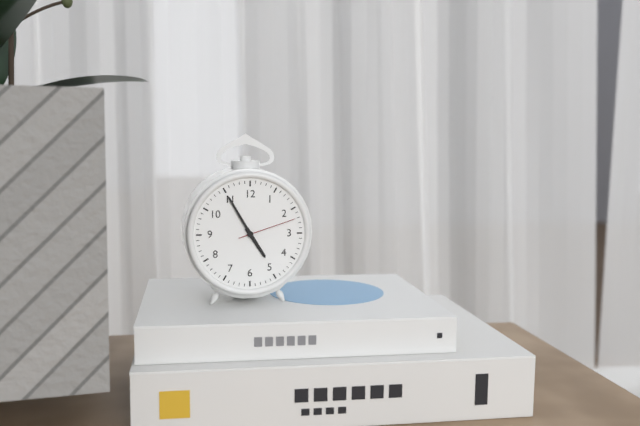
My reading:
4:55:12
